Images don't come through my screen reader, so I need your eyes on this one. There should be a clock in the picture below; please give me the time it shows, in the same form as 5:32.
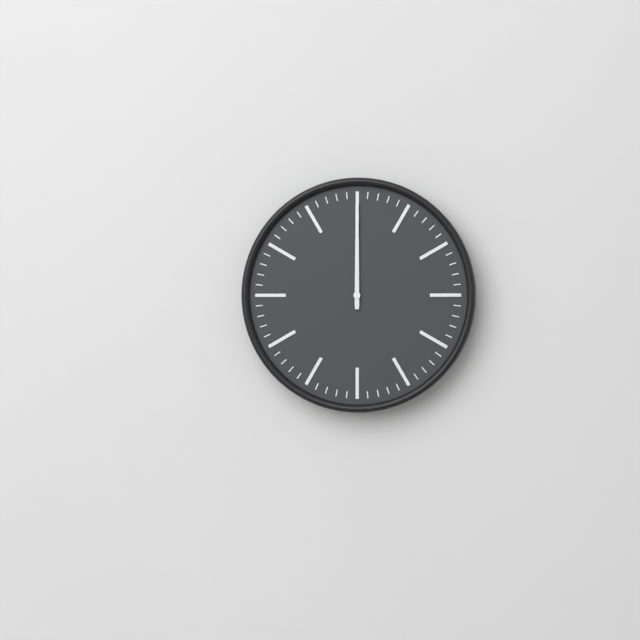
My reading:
12:00
